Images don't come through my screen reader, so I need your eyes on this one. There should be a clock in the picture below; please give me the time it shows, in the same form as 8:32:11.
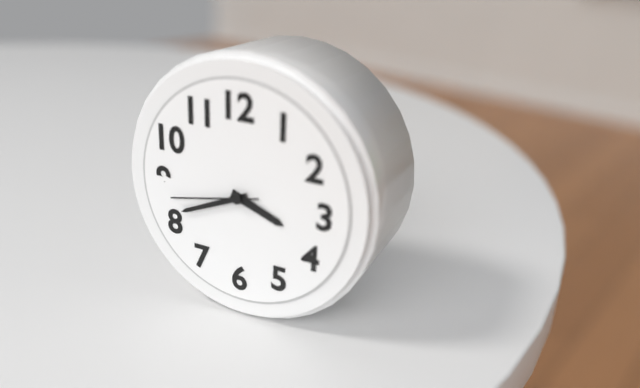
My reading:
3:41:43
